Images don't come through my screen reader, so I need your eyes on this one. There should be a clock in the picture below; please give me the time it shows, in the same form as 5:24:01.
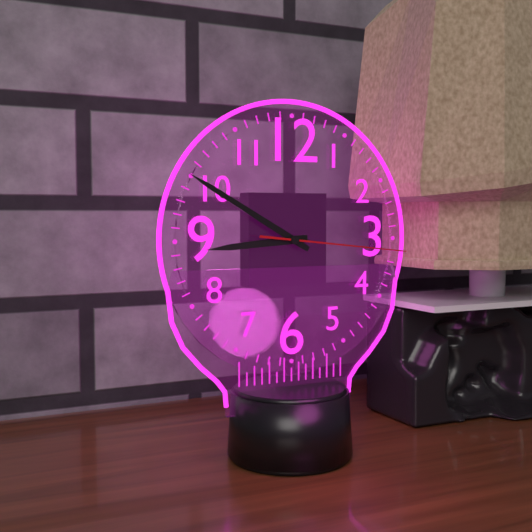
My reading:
8:50:16
